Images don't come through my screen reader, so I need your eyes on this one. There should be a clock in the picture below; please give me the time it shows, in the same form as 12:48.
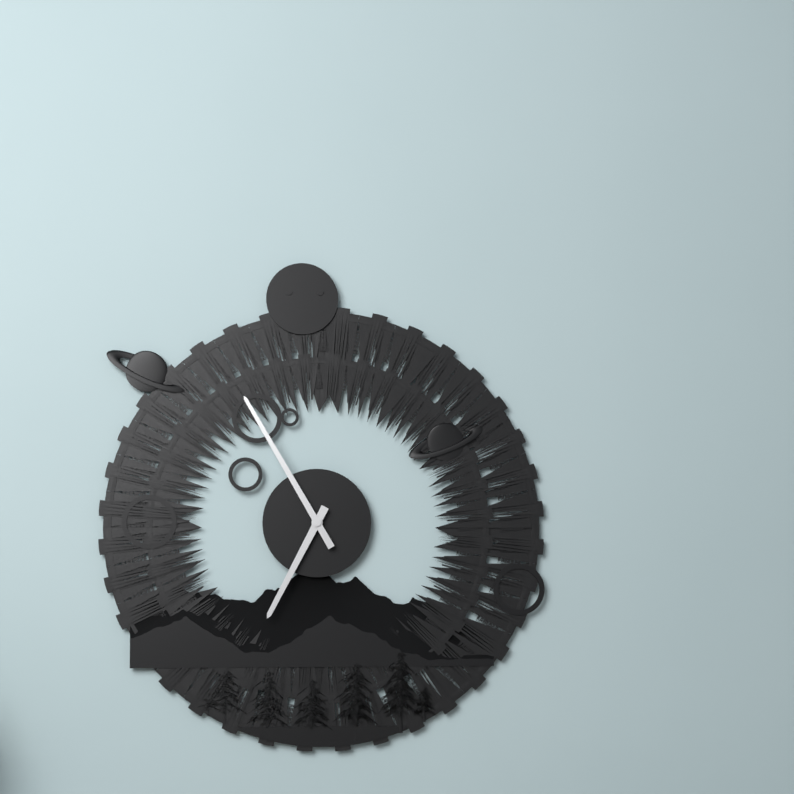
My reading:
6:55
